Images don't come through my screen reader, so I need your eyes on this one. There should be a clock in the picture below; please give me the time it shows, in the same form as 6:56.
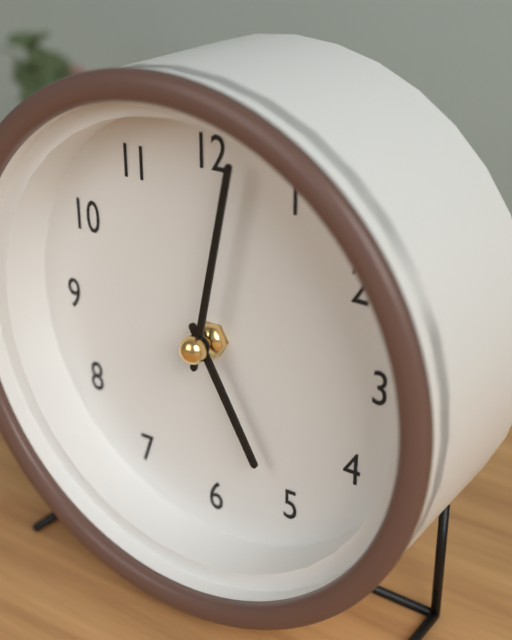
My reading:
5:02
